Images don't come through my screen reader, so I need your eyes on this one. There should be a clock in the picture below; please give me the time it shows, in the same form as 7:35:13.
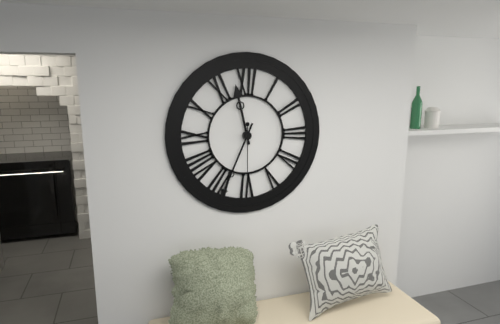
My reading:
11:34:30
